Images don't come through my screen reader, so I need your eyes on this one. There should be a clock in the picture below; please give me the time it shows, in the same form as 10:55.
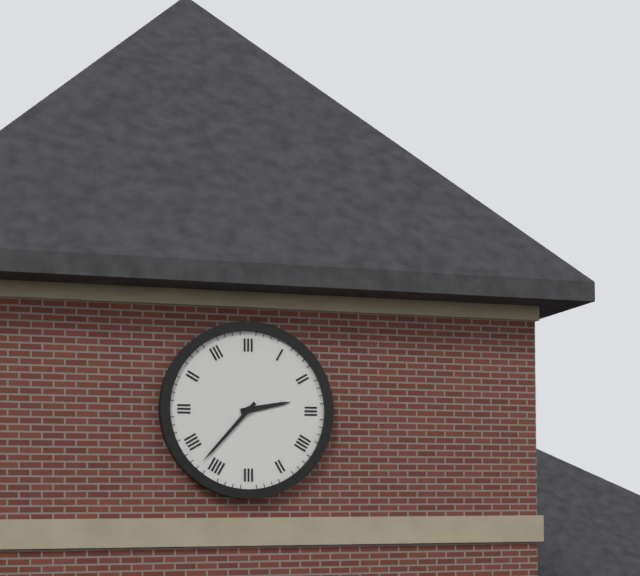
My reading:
2:37
